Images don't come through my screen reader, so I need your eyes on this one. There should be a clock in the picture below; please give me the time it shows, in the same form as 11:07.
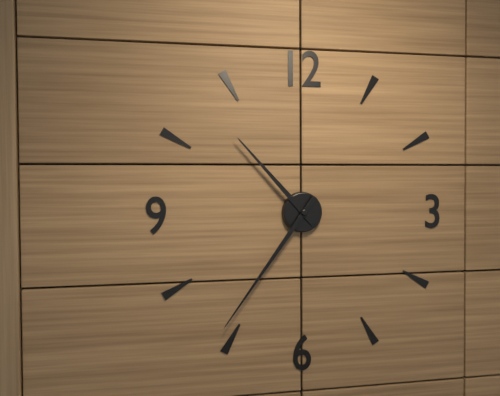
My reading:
10:36
